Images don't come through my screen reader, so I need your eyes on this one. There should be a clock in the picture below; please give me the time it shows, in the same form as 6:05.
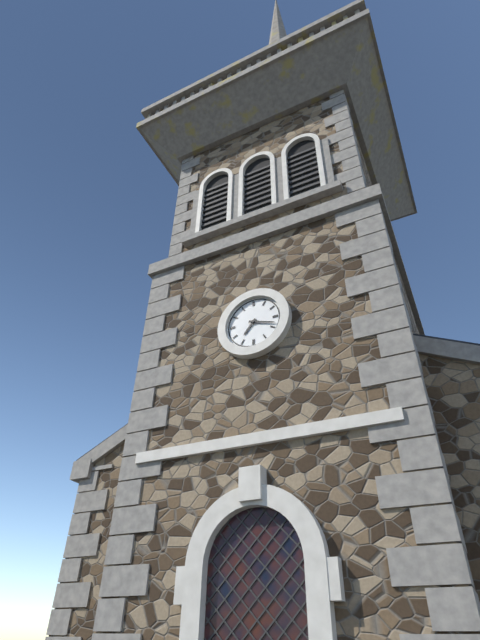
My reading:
7:18
